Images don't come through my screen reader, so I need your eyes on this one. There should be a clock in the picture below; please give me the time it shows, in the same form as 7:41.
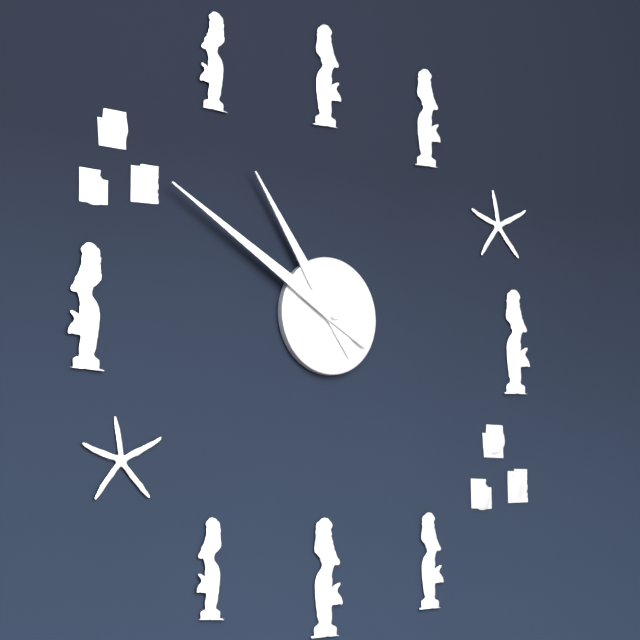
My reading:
10:50
